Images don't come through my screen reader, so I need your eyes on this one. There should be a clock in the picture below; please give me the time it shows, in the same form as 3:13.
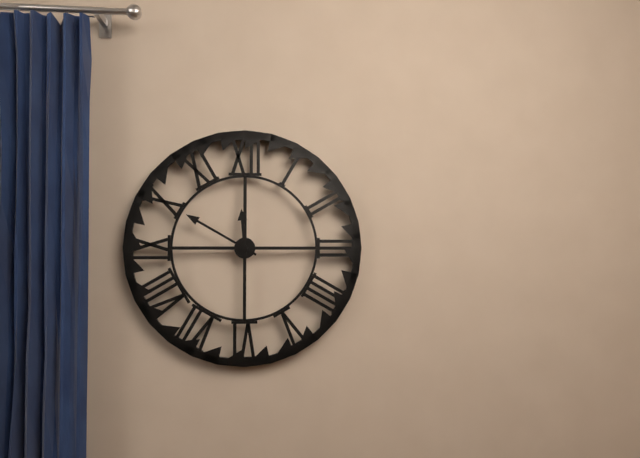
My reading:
11:50
